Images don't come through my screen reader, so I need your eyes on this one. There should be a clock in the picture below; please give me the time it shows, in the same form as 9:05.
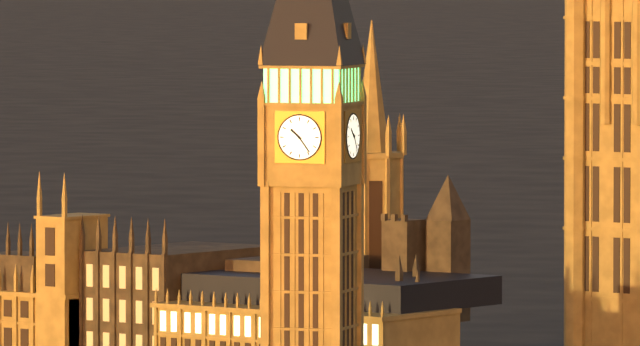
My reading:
10:24
